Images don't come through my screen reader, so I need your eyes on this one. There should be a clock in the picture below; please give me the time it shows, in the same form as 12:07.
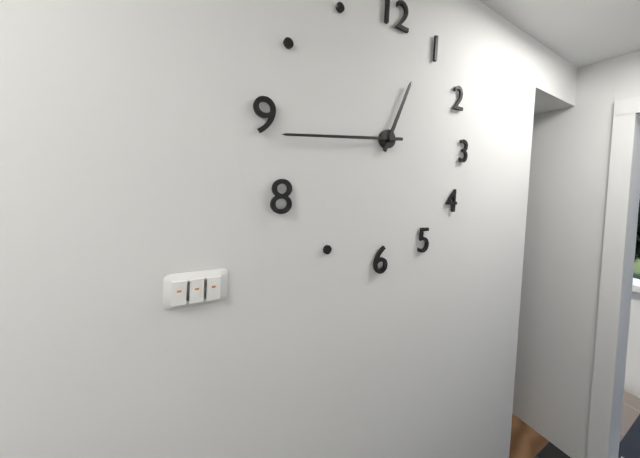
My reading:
12:44
